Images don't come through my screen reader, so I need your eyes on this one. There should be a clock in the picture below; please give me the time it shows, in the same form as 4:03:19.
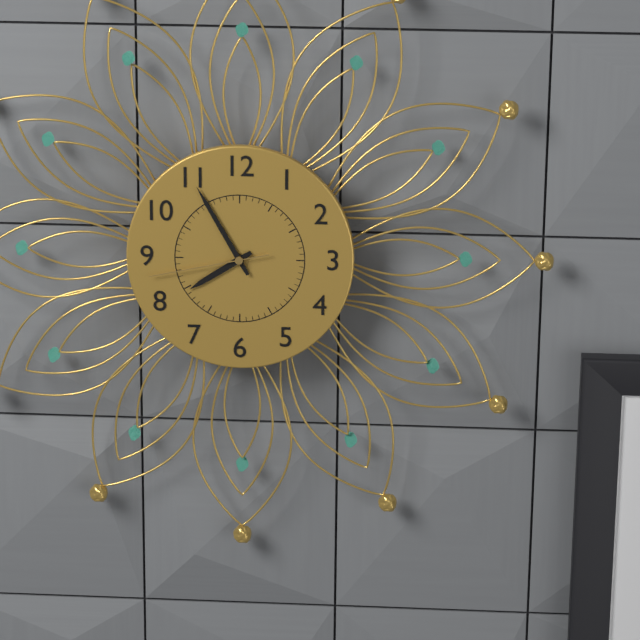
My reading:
7:55:43
